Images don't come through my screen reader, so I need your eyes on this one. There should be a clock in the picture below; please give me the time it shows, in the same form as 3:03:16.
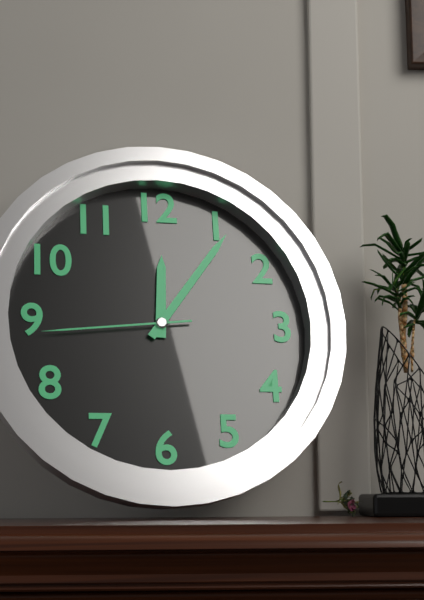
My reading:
12:06:44
